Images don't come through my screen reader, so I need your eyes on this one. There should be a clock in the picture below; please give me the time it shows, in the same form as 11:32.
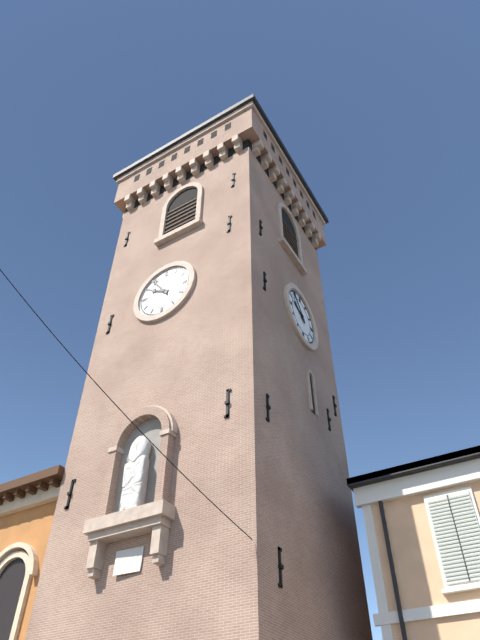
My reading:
9:54
